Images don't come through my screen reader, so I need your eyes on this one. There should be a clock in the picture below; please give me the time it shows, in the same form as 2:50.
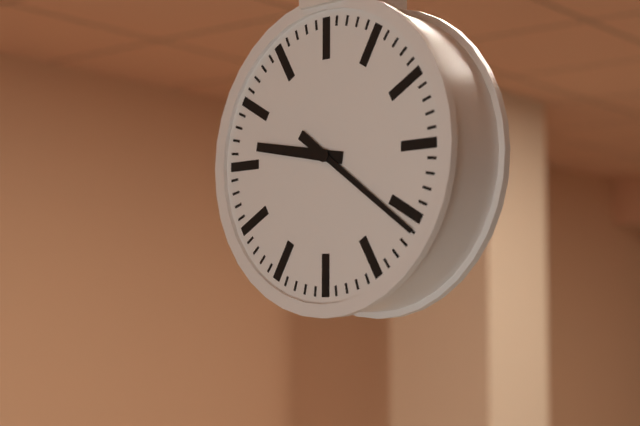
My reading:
9:21
